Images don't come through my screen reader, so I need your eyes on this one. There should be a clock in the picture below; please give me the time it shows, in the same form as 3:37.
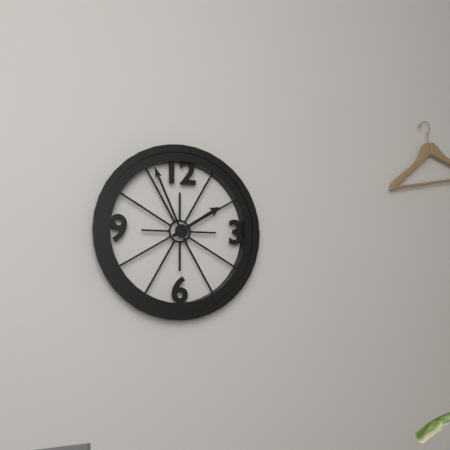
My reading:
1:56
